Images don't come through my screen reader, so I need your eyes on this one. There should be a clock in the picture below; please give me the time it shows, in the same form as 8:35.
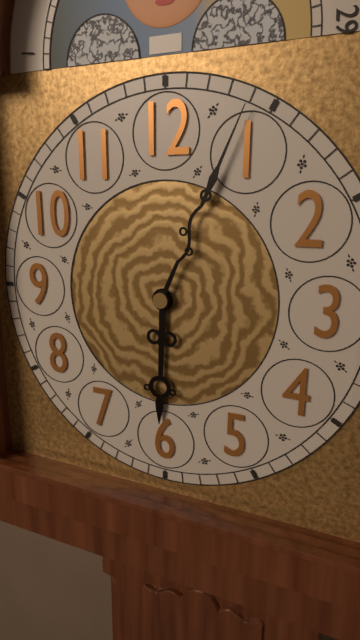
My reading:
6:04
